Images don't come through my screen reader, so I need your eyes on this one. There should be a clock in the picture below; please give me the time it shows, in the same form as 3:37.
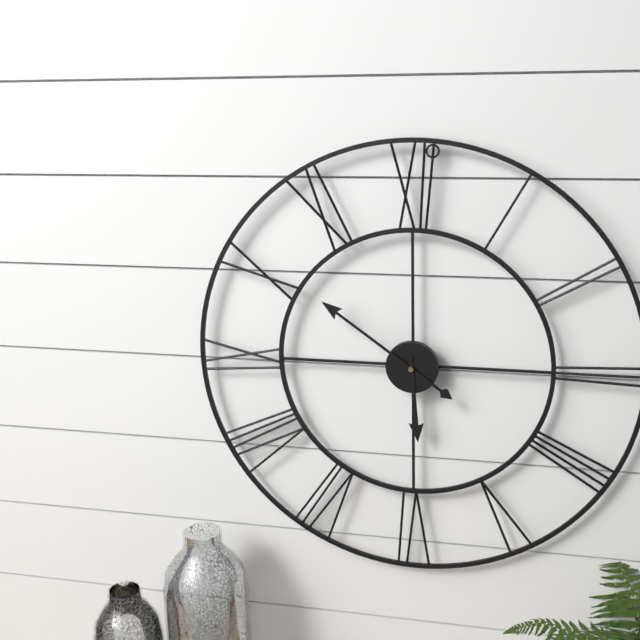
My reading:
5:51
